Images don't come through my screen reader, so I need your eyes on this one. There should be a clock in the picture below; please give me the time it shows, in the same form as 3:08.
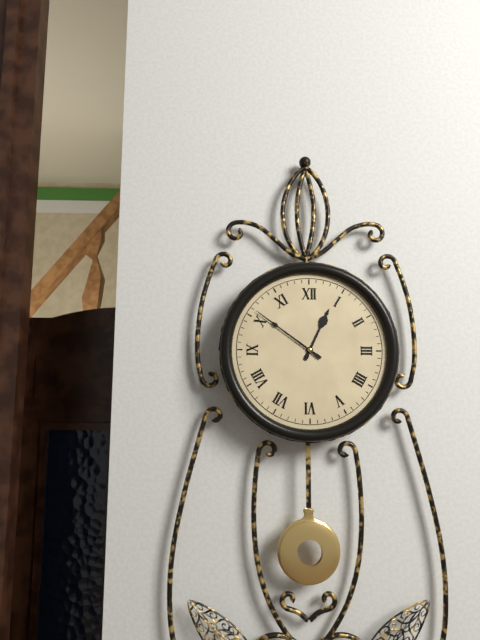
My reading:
12:51
